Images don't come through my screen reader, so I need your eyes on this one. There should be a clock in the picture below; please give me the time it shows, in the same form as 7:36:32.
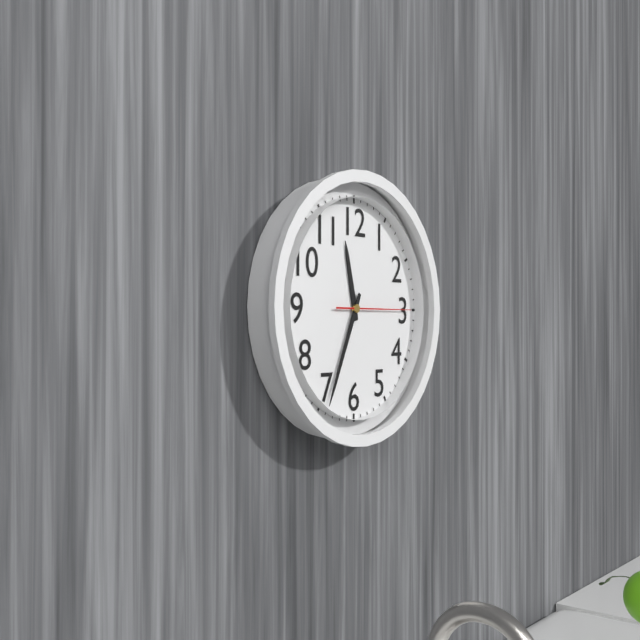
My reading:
11:34:15
